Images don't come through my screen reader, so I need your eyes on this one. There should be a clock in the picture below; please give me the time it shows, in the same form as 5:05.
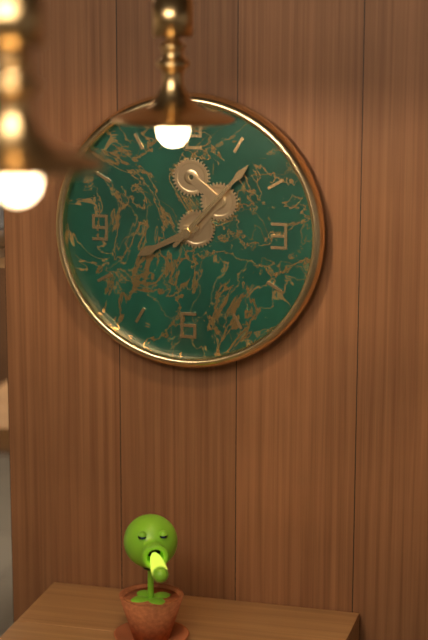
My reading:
8:07
